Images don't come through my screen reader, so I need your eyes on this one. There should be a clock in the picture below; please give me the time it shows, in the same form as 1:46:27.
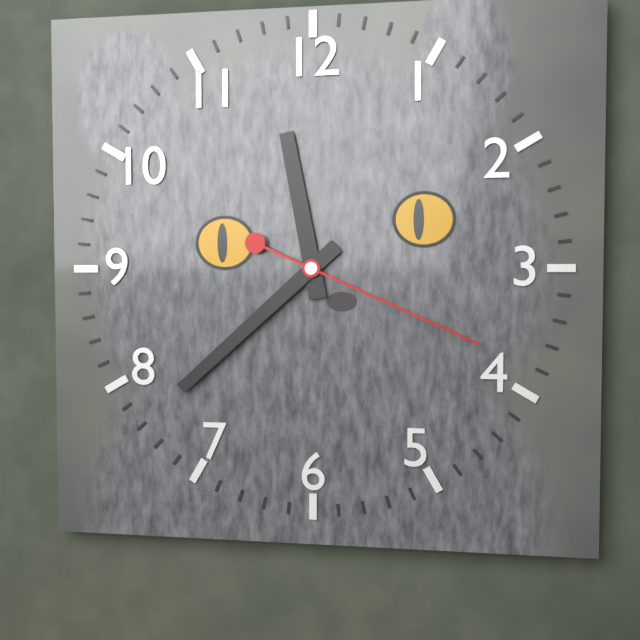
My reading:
11:38:19
